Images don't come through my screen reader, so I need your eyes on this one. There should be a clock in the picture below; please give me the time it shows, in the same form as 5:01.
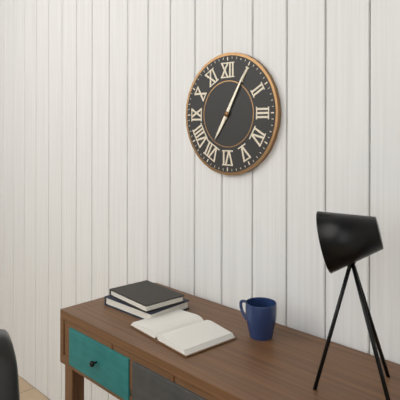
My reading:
7:05
